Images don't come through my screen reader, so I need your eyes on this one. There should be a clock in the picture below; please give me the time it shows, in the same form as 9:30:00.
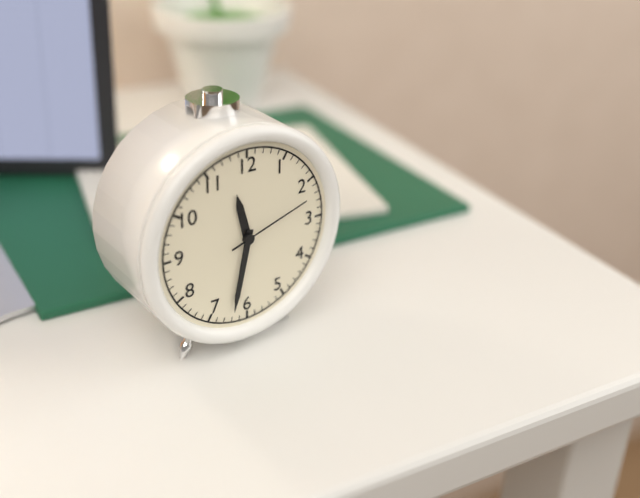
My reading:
11:32:12
